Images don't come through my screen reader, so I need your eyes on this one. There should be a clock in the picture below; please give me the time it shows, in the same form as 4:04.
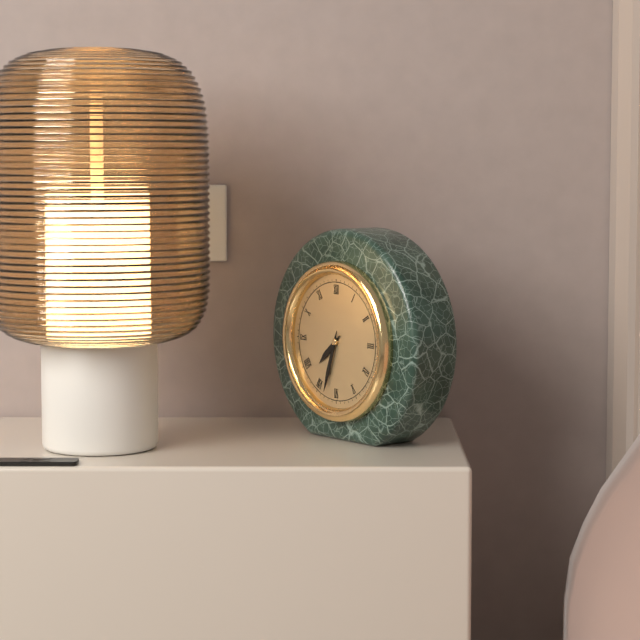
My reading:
7:33
